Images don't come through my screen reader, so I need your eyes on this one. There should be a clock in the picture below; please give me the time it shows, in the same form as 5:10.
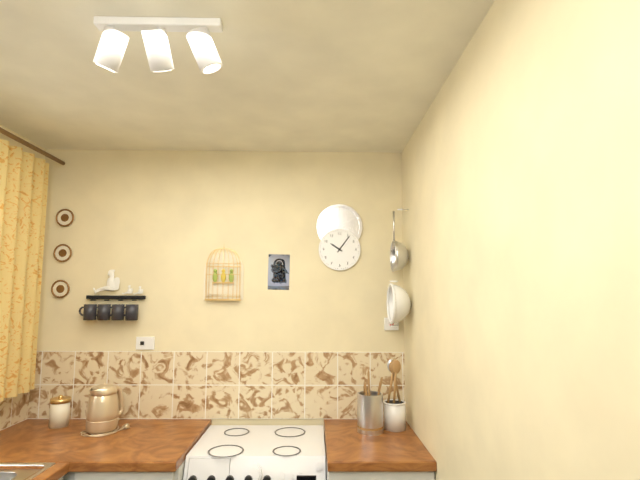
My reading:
10:06
